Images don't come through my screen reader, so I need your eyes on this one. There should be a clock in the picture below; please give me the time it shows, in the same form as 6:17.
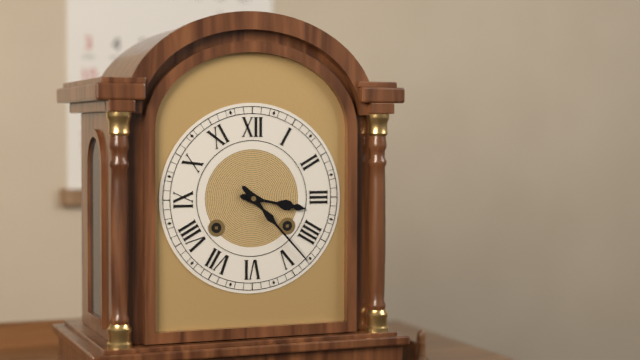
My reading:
3:23
